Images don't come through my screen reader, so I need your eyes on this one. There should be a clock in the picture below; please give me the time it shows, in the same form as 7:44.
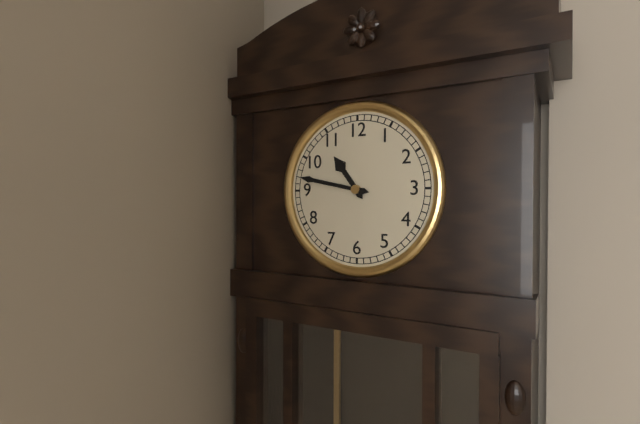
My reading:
10:47
